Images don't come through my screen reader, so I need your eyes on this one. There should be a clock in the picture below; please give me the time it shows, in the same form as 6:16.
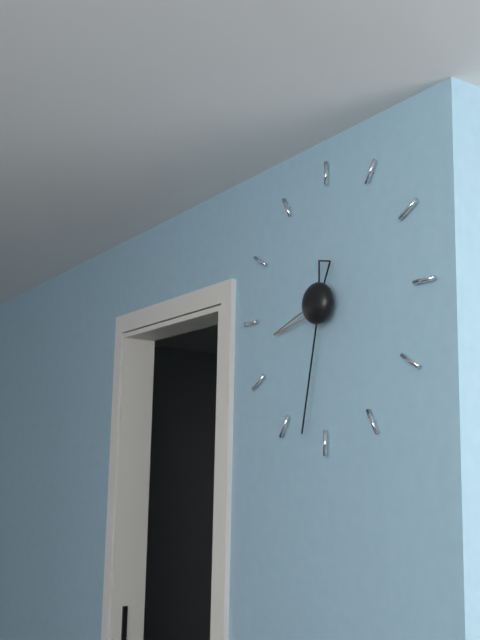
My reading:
8:32
